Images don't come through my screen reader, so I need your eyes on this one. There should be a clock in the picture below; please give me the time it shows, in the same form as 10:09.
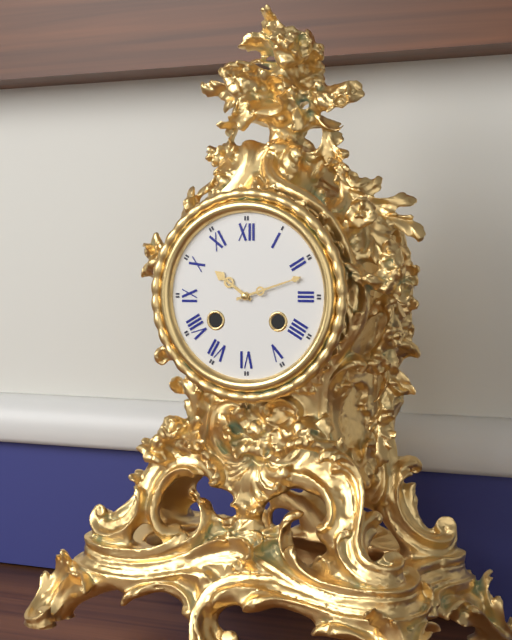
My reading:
10:12
